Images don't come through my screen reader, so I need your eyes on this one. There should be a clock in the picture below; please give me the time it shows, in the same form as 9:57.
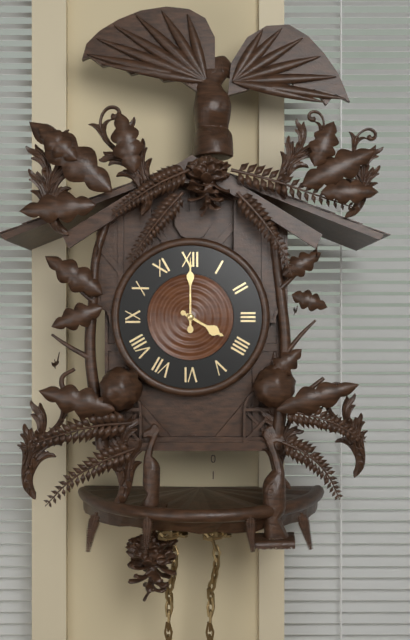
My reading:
4:00
